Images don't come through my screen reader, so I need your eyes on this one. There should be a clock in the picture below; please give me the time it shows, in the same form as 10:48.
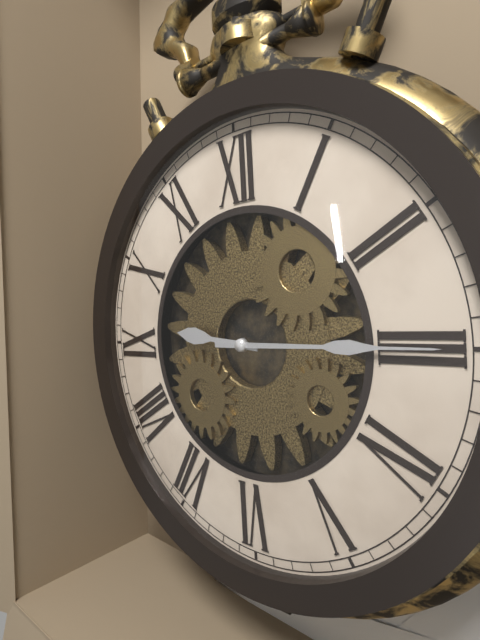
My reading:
9:15
